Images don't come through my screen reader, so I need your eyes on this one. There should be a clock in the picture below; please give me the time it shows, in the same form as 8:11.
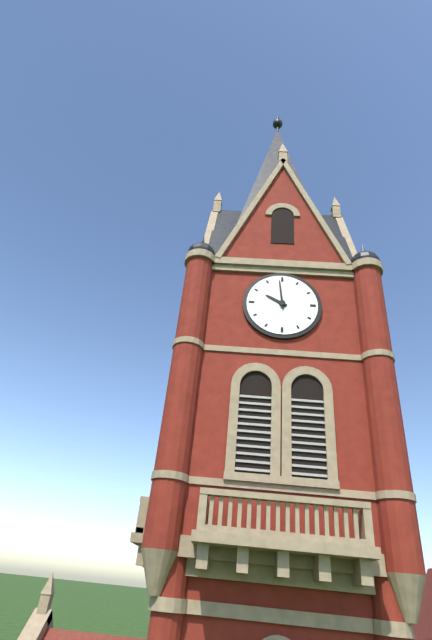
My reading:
9:59
